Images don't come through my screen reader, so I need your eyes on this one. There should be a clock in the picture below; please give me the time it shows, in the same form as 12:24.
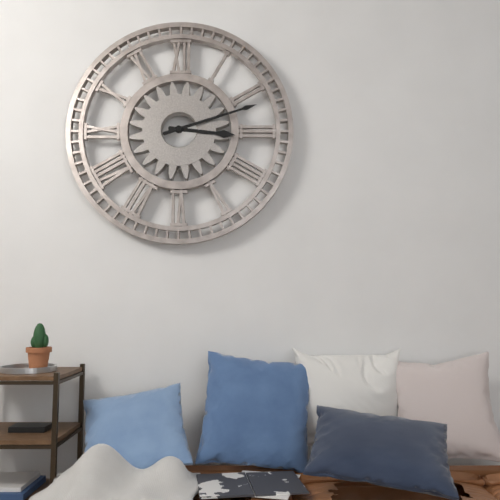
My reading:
3:12
